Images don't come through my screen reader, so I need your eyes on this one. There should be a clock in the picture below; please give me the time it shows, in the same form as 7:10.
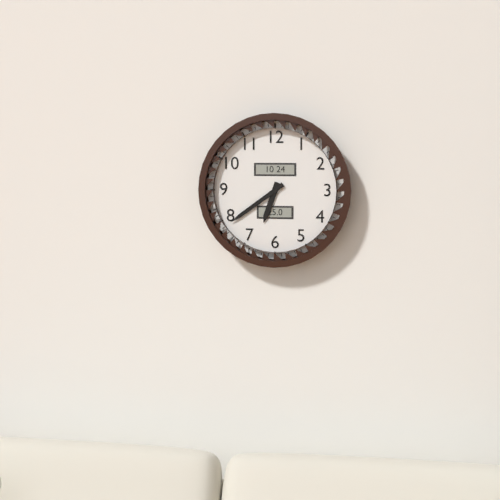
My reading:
6:39
